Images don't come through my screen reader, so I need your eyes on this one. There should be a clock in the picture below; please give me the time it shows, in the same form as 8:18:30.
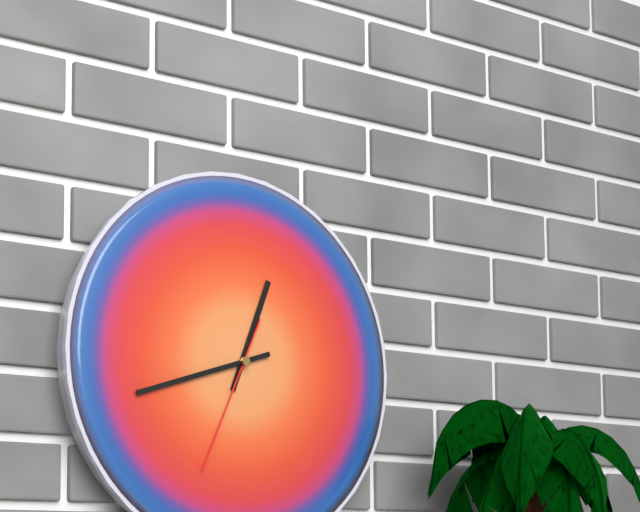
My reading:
12:42:34
